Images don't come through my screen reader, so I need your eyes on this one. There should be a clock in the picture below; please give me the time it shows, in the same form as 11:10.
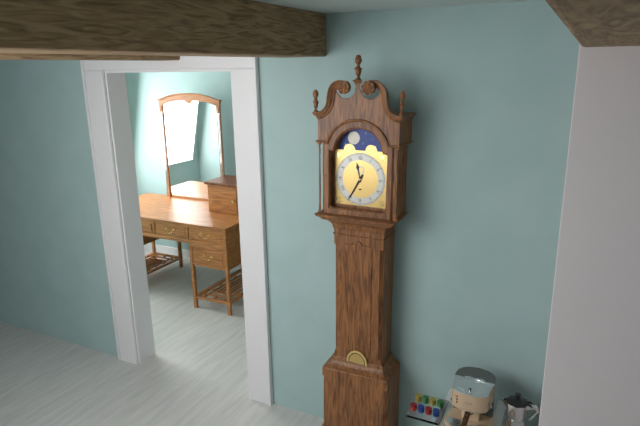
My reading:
11:35
